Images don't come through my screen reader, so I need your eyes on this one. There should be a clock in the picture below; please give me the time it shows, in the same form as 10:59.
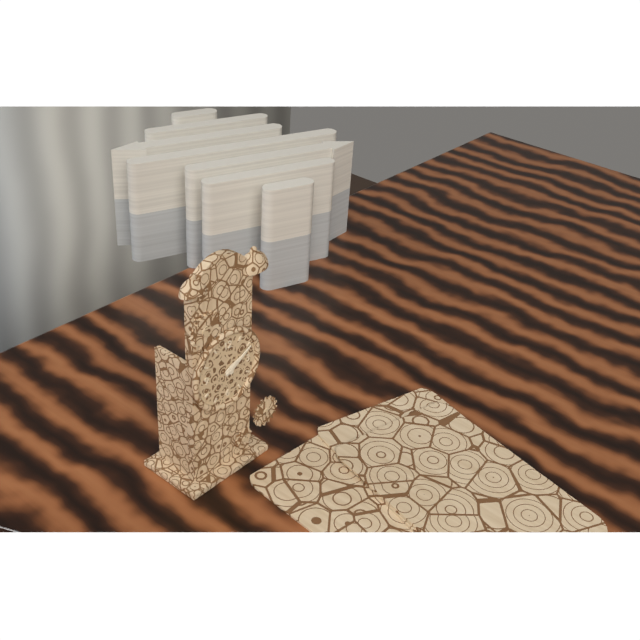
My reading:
2:10
